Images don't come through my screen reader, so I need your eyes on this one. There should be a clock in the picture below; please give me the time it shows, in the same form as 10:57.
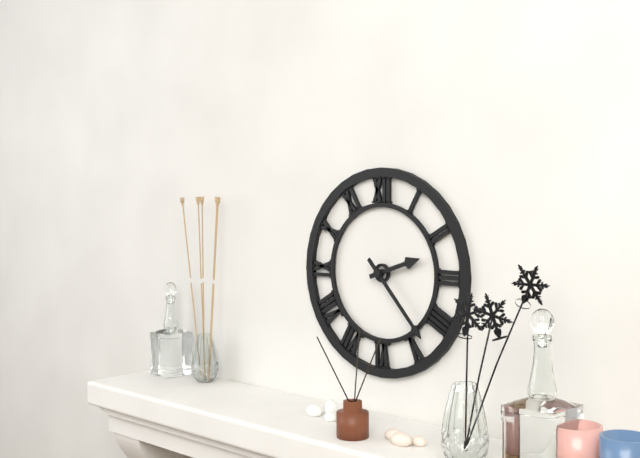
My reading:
2:23
